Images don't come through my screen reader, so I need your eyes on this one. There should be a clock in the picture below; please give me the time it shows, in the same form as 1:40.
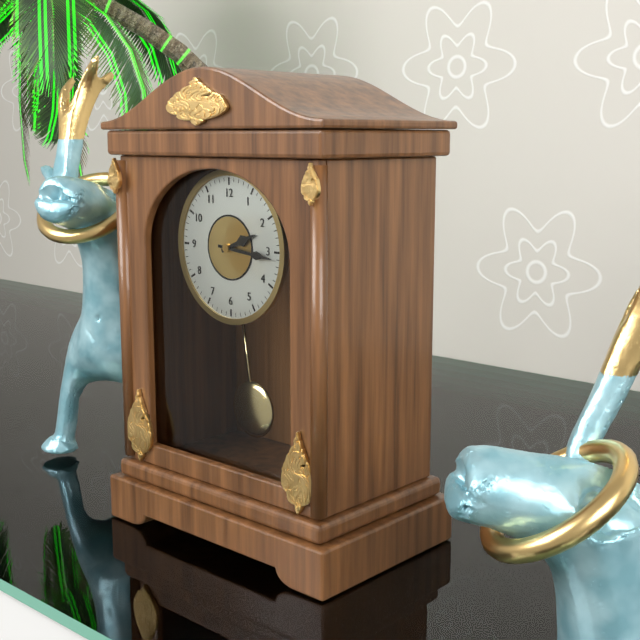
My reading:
2:16
